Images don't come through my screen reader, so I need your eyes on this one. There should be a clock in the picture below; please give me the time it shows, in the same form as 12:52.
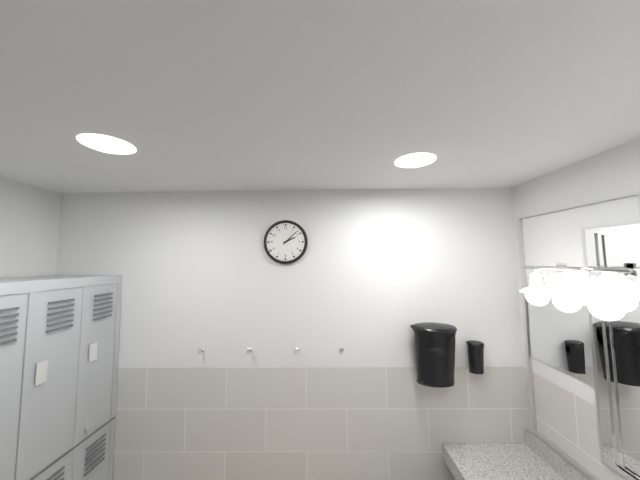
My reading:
2:08
